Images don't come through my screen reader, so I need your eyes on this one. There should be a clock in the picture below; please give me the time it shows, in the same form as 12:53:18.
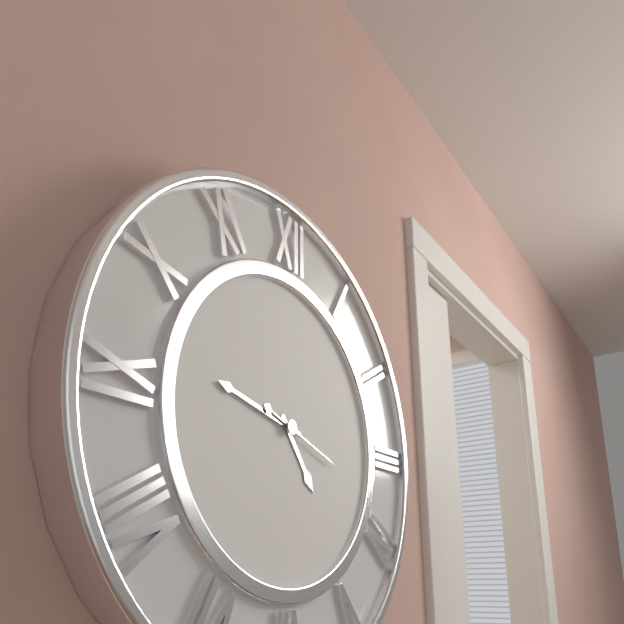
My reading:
4:47:18
